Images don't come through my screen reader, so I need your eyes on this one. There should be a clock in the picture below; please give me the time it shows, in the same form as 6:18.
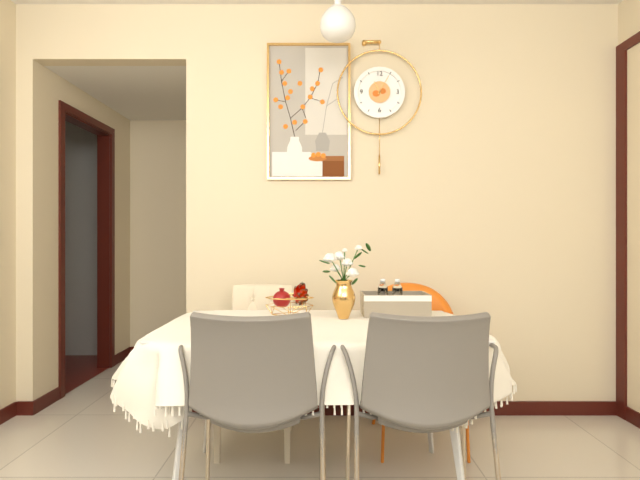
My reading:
11:05
